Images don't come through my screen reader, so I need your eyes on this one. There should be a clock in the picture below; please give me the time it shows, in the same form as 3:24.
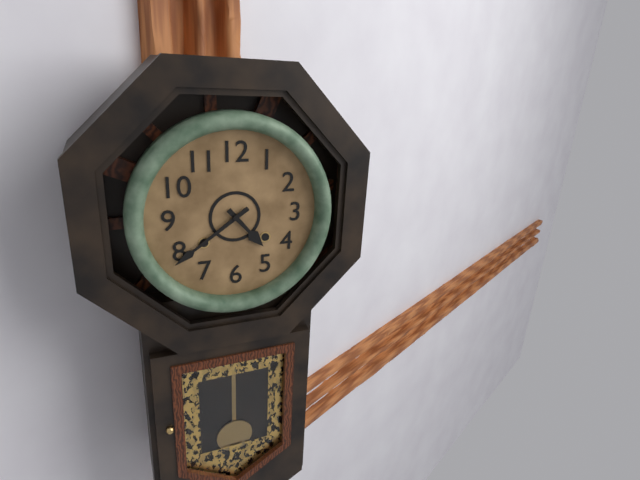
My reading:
4:39
